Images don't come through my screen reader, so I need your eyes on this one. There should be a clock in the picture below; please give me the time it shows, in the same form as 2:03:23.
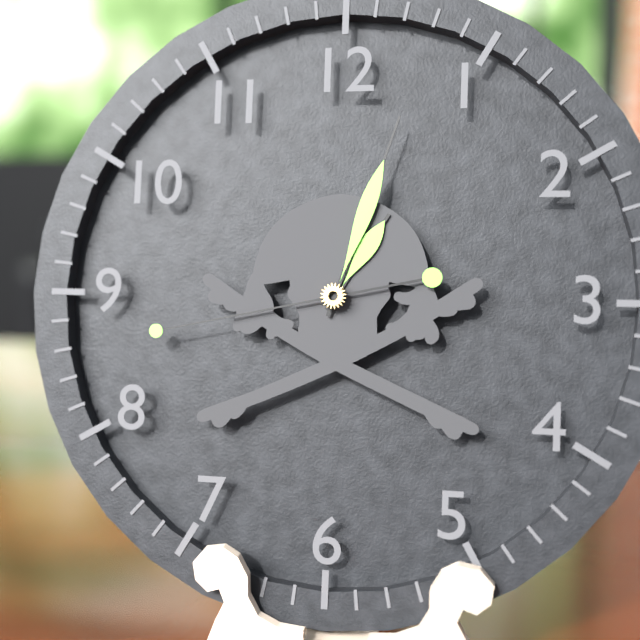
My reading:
1:03:43
